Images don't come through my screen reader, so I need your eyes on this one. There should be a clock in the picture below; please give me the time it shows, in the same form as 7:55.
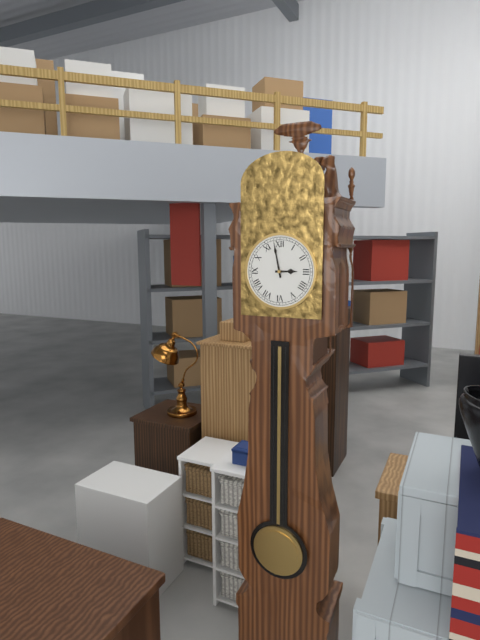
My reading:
2:58
